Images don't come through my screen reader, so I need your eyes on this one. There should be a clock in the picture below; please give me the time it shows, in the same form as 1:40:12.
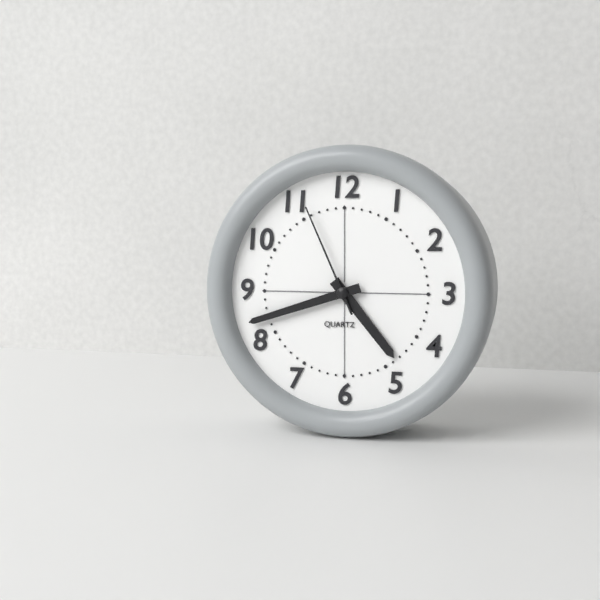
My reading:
4:42:56
